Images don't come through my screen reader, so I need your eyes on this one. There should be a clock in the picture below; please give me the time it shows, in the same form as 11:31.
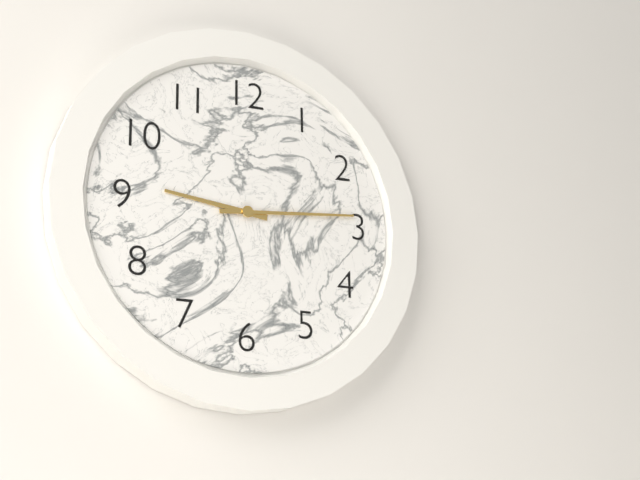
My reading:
9:14
